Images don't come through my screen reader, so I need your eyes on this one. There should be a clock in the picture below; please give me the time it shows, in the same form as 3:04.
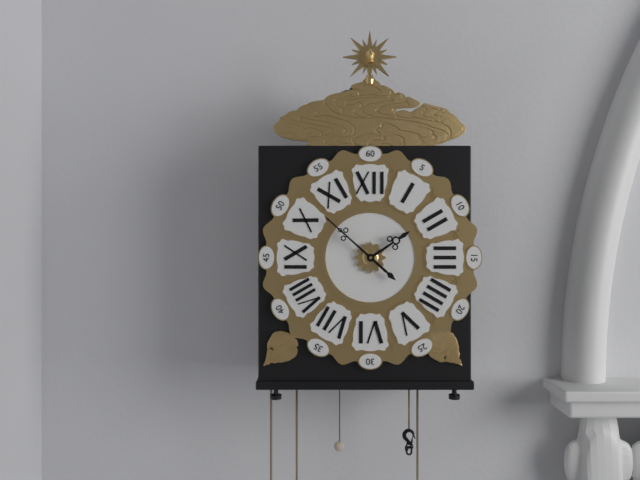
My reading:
1:52
